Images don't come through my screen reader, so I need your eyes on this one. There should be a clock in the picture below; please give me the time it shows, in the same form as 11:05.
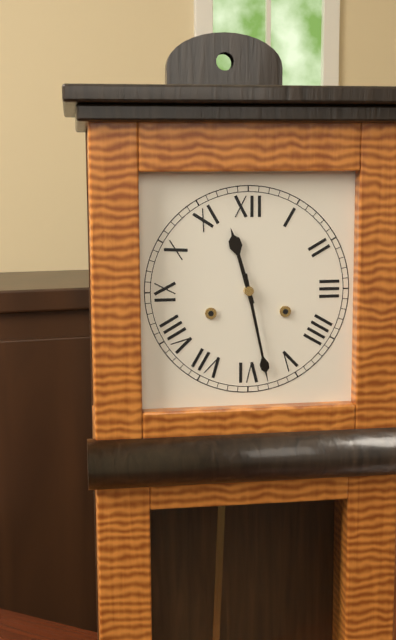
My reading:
11:28
